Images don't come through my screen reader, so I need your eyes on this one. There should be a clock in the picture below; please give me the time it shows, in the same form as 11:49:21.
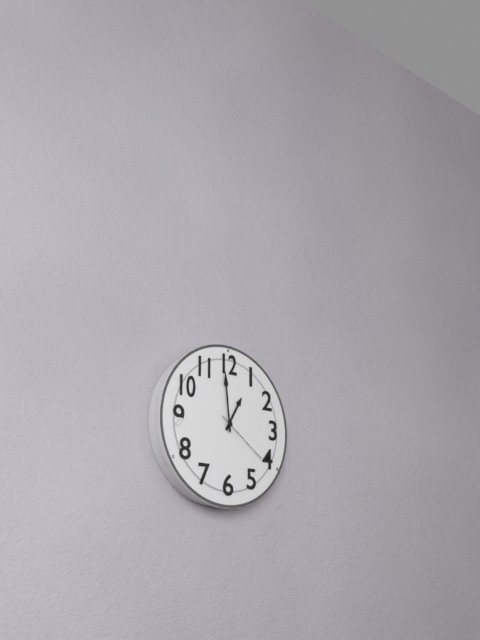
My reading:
12:59:21
